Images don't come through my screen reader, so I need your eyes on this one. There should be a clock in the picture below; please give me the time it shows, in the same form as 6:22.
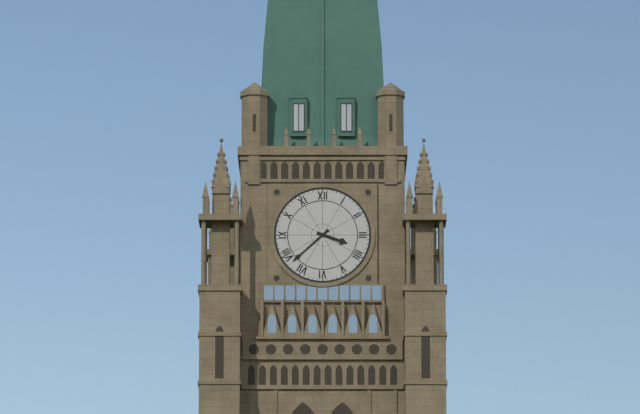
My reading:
3:38
